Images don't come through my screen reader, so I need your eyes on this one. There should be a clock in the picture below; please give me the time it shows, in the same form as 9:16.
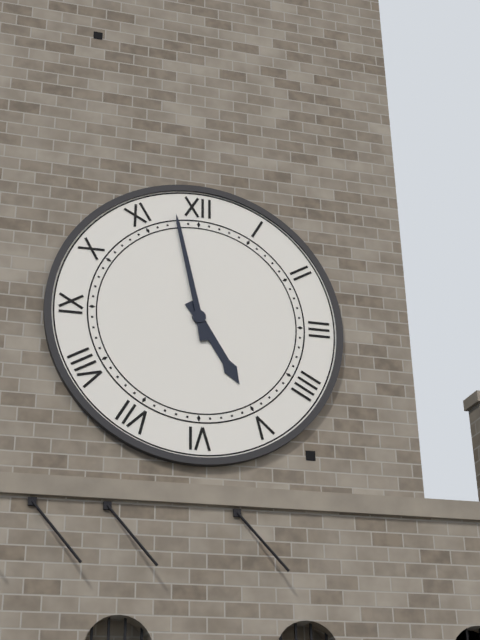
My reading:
4:58
